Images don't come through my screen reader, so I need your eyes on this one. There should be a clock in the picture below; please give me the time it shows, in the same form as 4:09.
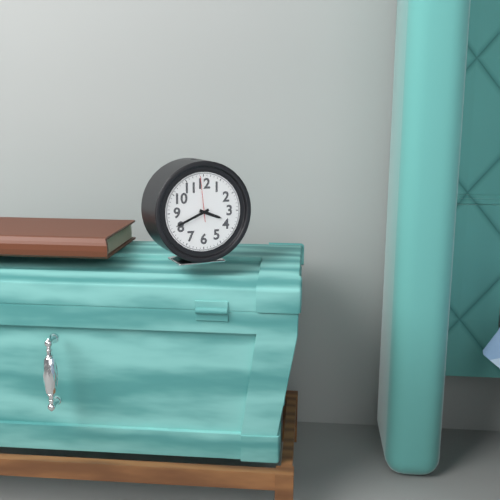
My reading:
3:41
